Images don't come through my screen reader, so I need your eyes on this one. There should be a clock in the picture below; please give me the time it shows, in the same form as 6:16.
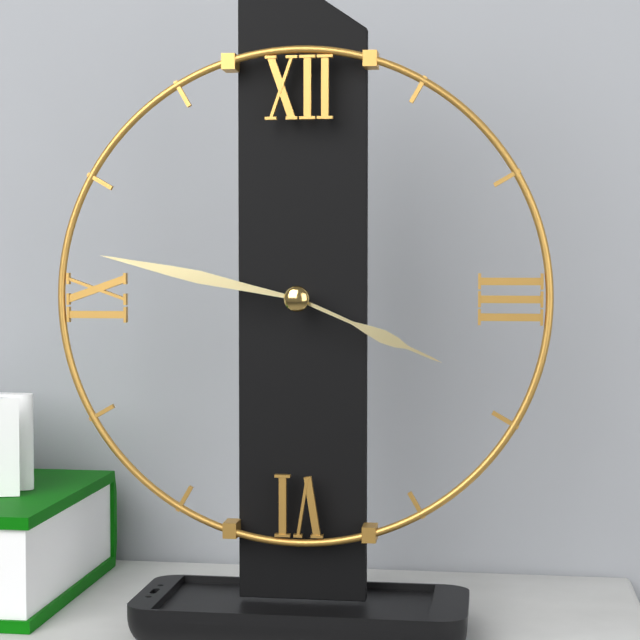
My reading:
3:47
